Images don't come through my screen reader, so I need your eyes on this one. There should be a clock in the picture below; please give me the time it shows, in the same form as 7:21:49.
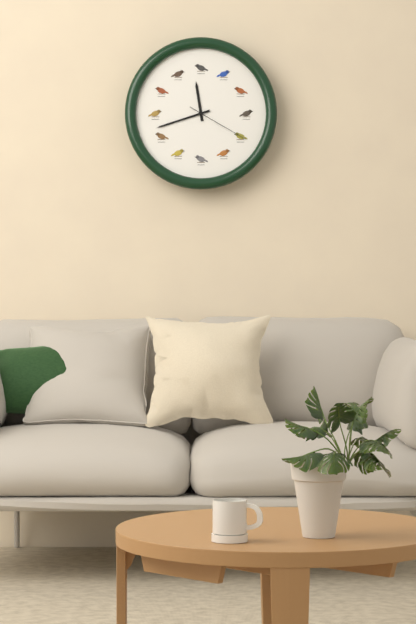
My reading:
11:42:20
